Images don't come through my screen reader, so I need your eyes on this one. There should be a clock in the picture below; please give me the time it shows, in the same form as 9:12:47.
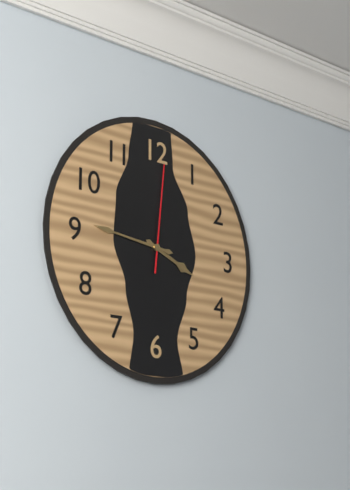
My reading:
3:46:01
